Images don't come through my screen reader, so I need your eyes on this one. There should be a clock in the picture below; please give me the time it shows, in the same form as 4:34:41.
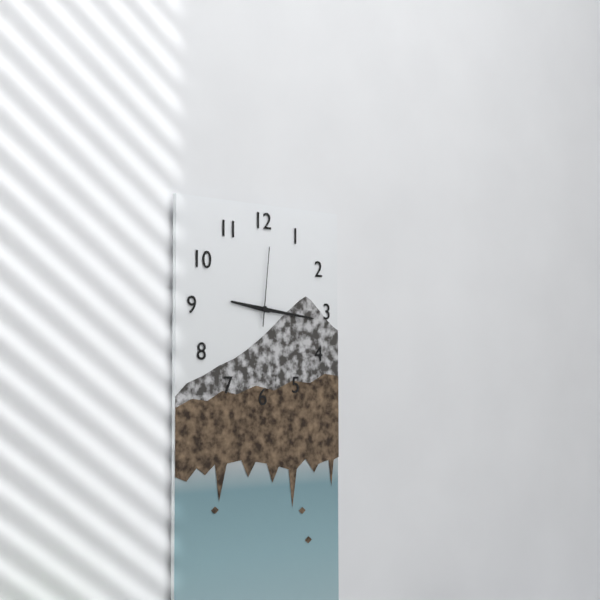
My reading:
9:16:01
